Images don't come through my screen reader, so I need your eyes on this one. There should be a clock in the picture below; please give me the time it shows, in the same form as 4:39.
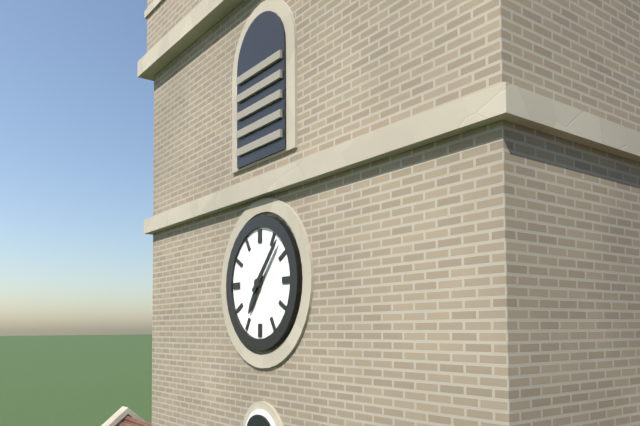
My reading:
7:07
